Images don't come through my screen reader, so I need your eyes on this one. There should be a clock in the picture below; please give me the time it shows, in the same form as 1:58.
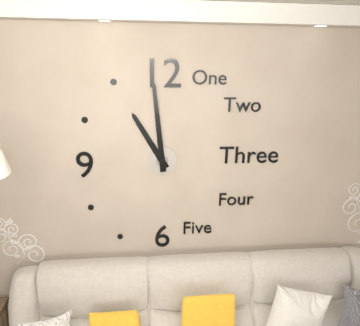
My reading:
10:59
